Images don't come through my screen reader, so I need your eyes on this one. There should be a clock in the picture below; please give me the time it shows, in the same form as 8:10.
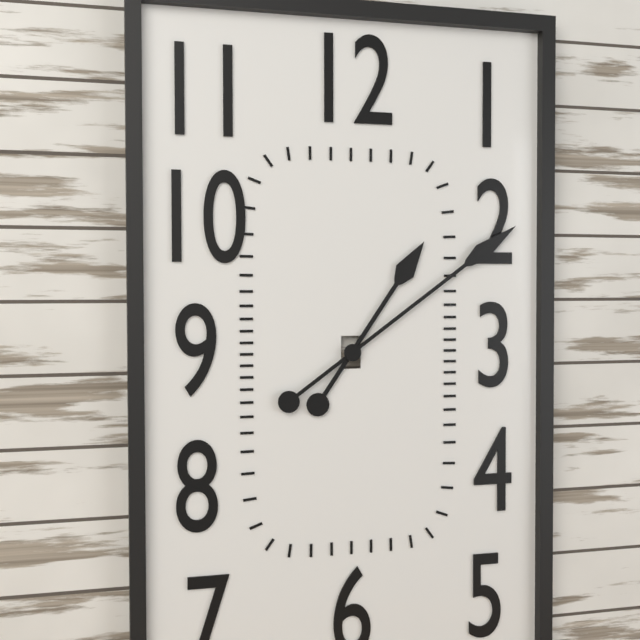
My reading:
1:09
